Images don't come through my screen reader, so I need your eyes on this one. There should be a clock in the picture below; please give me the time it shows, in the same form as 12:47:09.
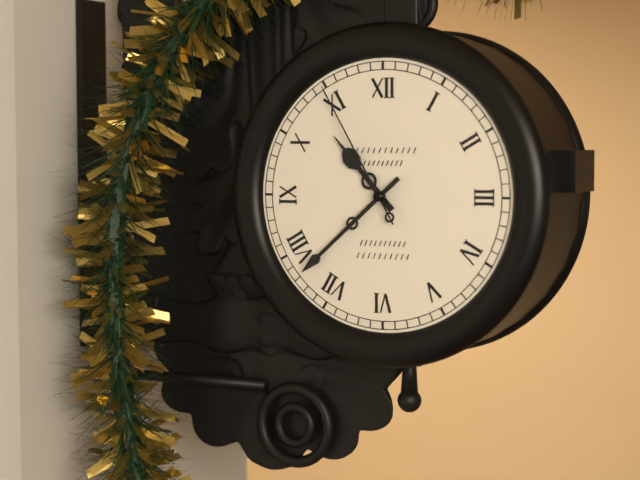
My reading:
10:38:55
